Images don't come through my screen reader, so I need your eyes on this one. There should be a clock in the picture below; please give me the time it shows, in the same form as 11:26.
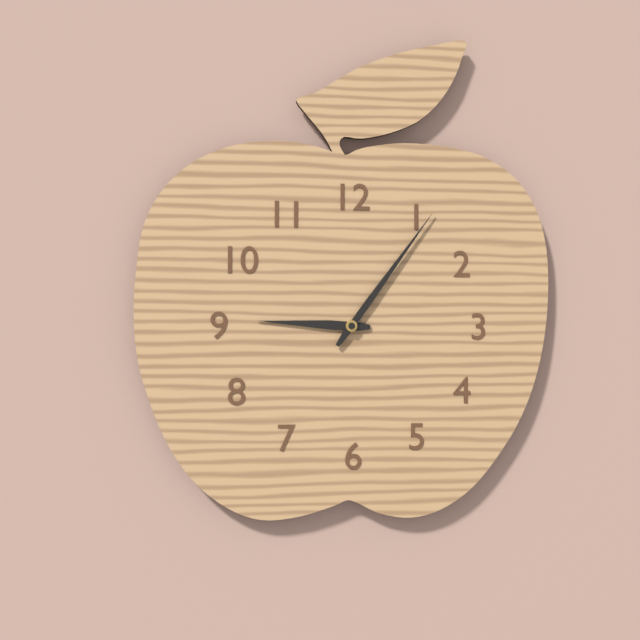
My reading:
9:06
